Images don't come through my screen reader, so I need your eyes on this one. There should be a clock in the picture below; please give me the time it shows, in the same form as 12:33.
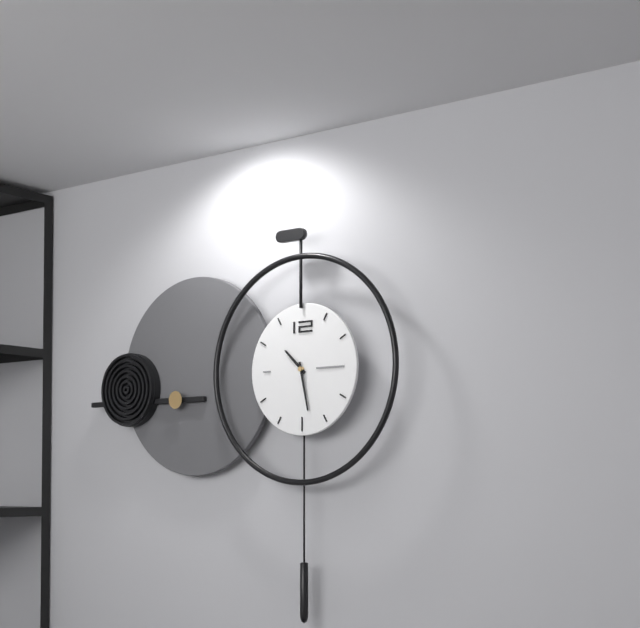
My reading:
10:28
